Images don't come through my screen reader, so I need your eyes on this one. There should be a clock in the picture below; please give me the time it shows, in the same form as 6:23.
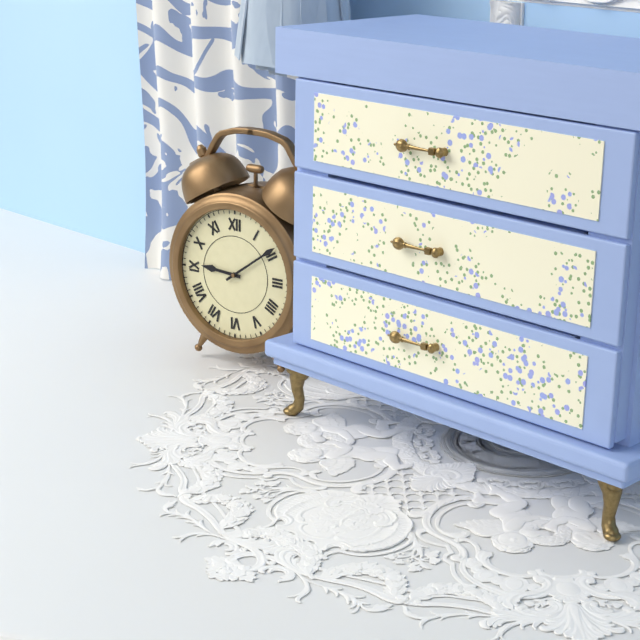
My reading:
9:09
